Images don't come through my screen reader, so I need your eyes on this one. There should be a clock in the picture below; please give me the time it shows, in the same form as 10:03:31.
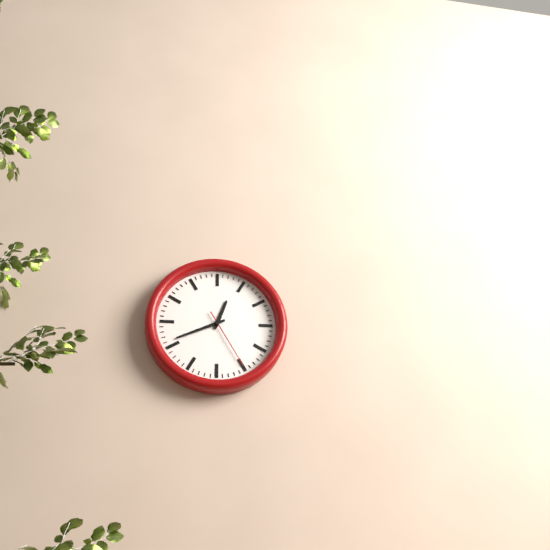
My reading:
12:41:25
